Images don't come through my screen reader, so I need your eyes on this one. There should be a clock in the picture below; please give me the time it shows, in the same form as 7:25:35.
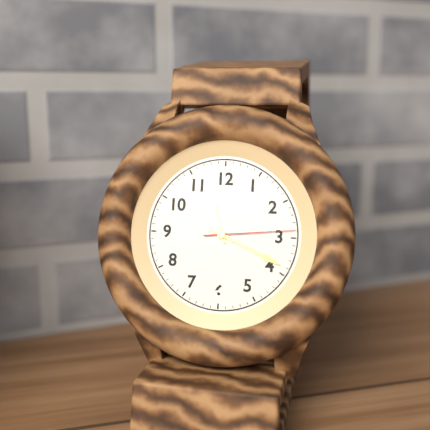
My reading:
11:19:14
